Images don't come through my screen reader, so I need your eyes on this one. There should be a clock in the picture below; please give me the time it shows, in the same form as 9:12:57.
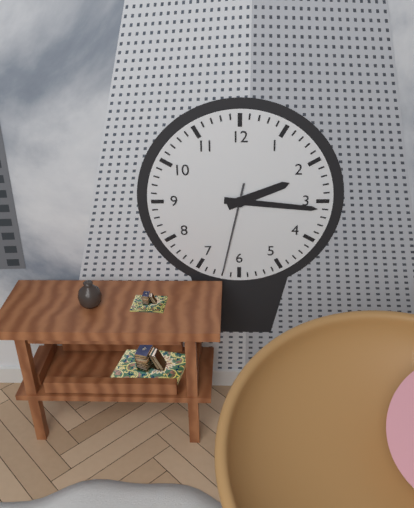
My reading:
2:16:32
